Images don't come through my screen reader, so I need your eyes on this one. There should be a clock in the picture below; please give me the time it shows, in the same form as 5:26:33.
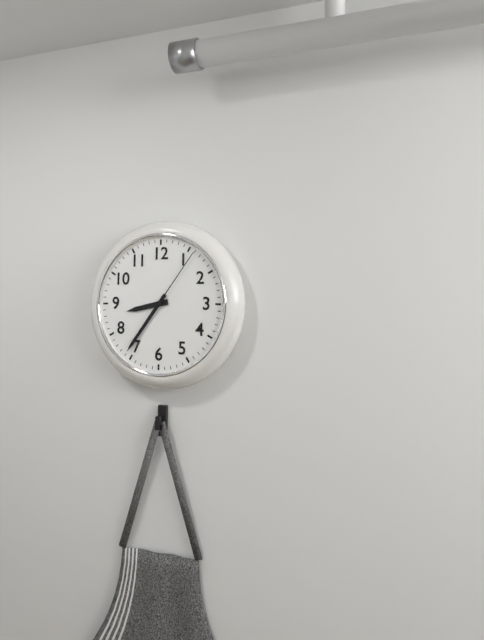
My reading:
8:36:06
